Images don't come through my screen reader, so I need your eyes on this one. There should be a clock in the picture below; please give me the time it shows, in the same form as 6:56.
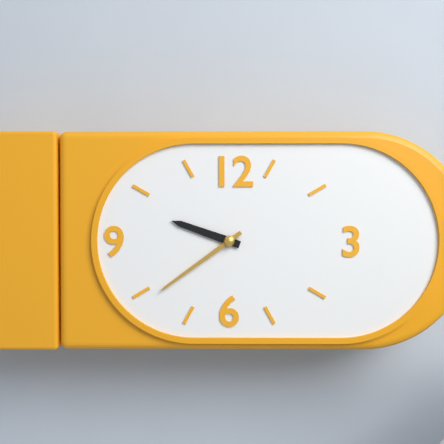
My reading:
9:39
